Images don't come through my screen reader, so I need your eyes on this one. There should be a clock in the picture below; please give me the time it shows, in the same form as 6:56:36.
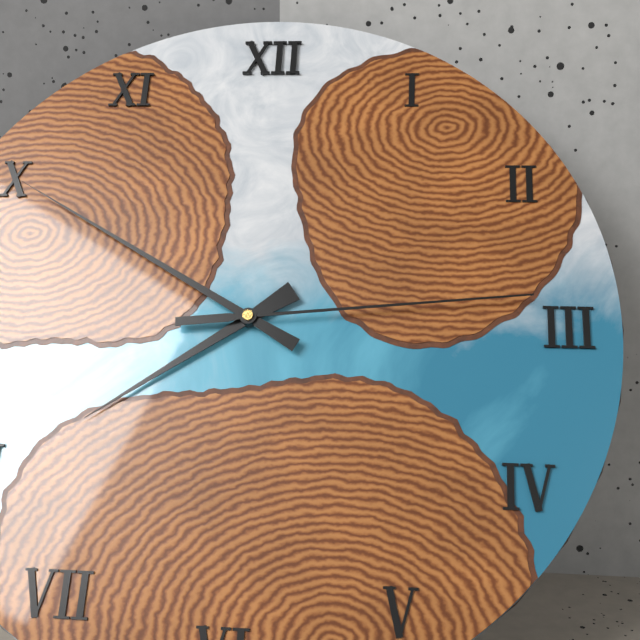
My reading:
7:50:14
